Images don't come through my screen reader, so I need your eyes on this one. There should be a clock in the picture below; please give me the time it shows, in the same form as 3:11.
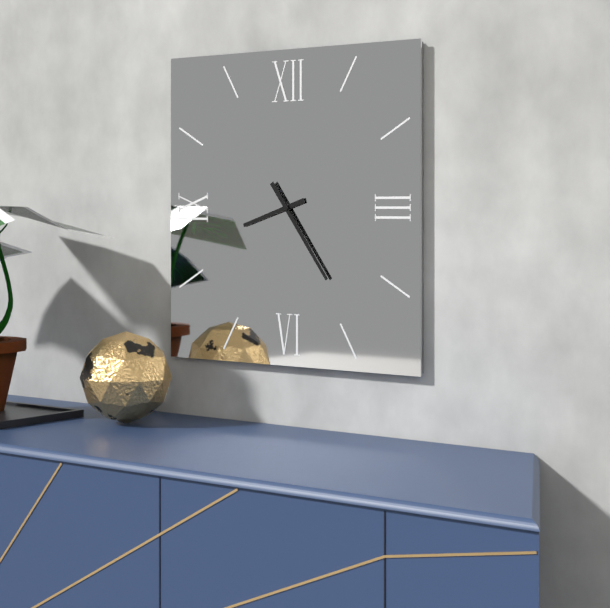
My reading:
8:24
